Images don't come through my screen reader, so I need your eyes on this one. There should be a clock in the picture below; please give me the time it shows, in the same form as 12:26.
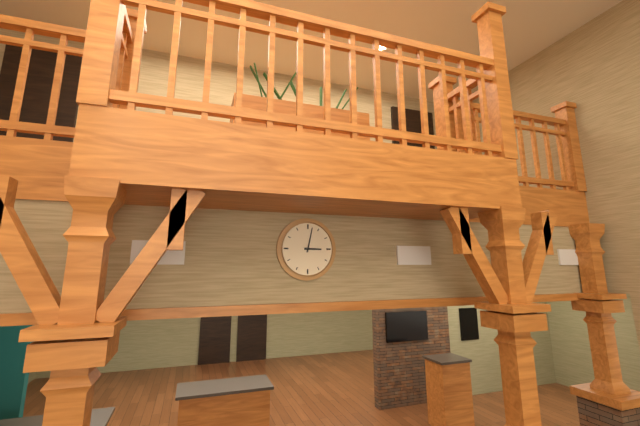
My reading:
3:02
